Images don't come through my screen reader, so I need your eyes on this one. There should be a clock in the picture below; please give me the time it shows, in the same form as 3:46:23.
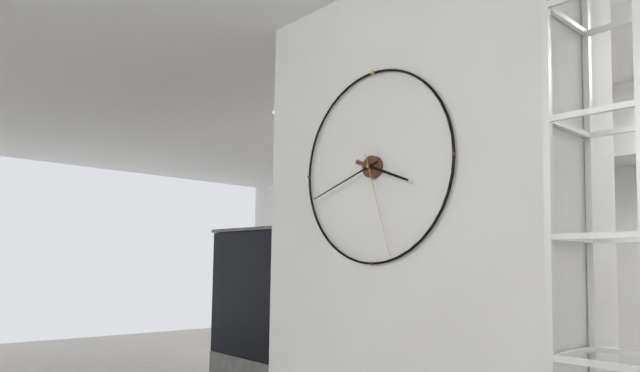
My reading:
3:42:27
